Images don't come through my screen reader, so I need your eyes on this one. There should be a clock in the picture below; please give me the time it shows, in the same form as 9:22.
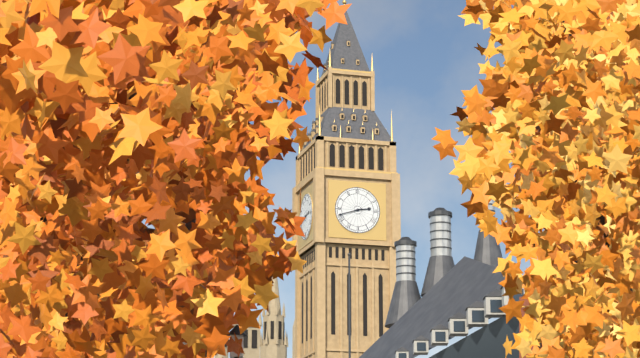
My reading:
2:42
